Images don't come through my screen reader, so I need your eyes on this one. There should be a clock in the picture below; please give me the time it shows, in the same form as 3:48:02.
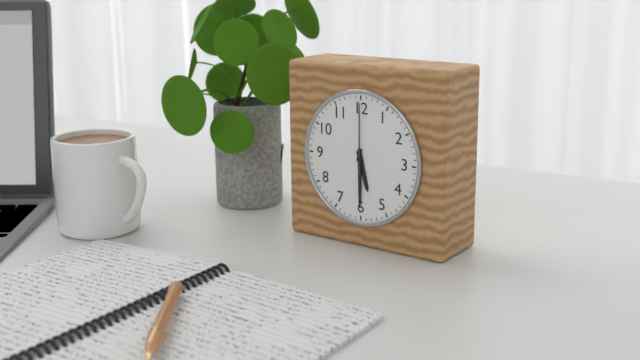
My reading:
5:30:00
